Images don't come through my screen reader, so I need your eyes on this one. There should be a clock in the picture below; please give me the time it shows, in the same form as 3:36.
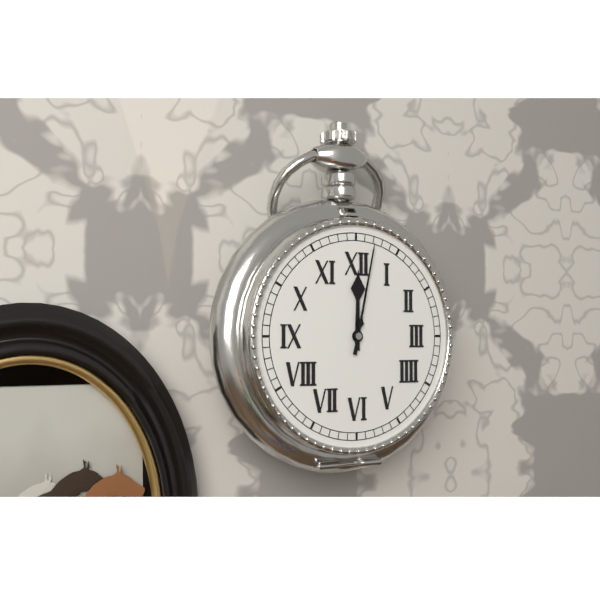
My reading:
12:02
